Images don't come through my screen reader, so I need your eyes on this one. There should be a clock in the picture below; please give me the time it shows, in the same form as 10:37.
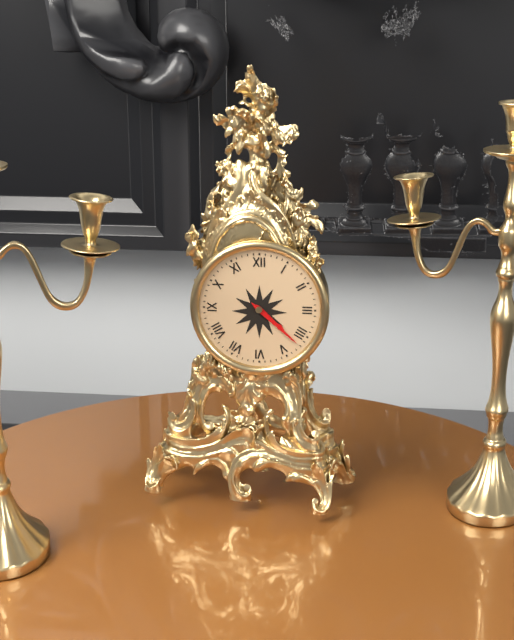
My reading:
4:22
